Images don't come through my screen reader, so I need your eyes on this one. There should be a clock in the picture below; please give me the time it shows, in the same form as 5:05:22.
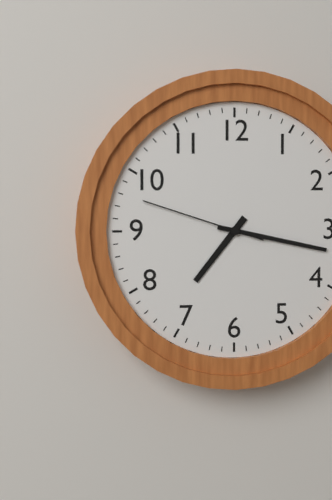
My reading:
7:17:48
